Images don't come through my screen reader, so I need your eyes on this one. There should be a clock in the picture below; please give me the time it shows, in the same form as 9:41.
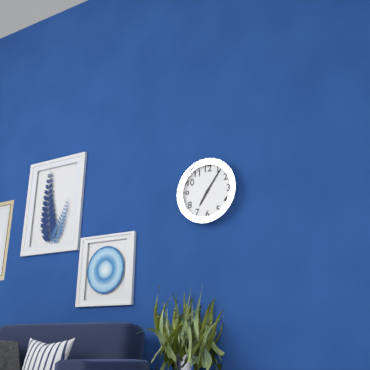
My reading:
7:06
